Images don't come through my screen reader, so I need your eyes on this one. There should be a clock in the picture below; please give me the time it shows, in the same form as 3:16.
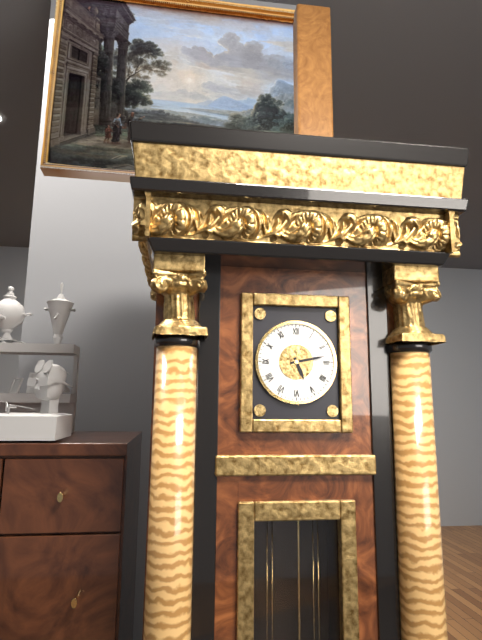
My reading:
5:13
